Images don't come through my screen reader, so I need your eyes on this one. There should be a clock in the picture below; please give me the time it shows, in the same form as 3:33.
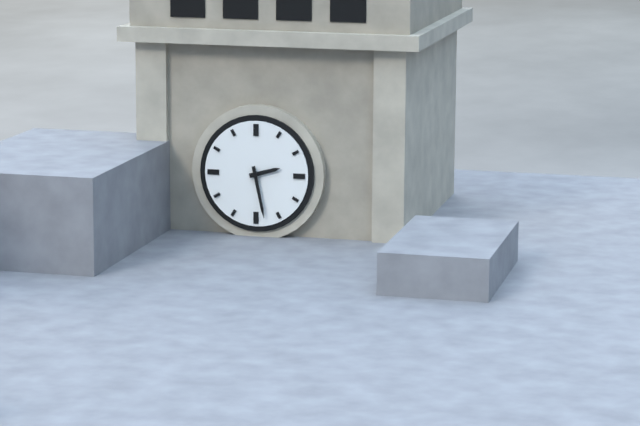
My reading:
2:28
